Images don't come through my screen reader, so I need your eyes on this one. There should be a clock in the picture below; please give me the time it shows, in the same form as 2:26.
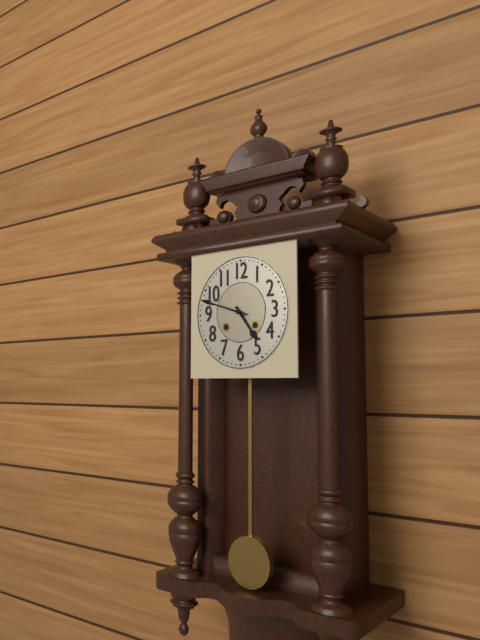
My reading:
4:48
